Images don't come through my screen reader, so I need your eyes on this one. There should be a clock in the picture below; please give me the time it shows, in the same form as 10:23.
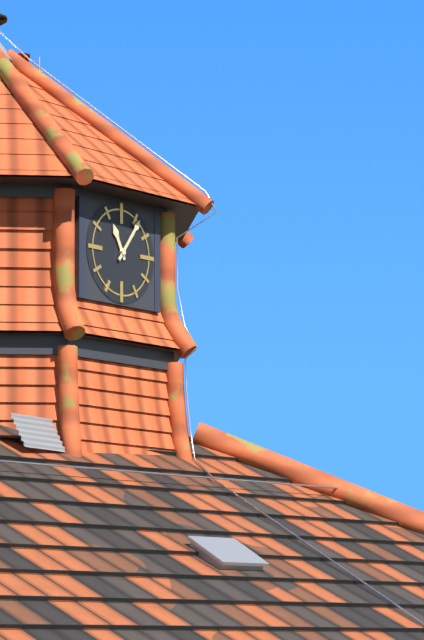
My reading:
11:06
